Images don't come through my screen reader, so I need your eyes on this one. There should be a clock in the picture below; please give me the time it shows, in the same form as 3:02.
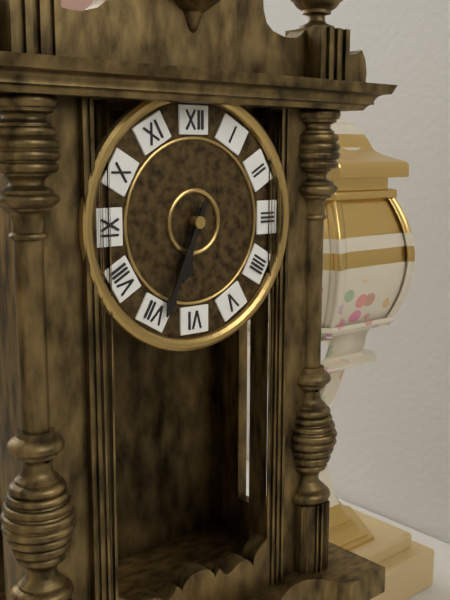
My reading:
6:34
